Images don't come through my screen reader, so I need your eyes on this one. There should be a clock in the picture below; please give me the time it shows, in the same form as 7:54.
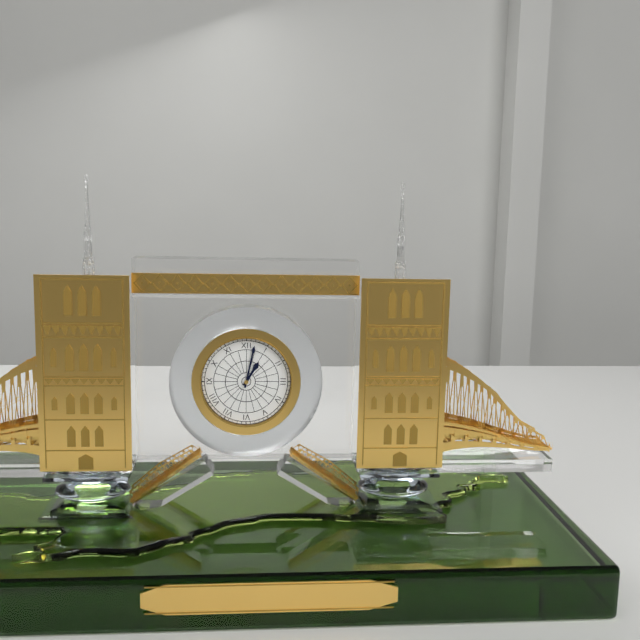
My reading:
1:02
